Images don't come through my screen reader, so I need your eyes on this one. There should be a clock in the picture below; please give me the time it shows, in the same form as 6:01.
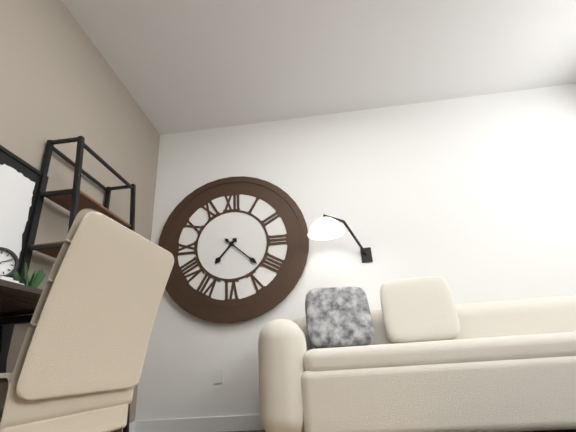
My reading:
7:22
